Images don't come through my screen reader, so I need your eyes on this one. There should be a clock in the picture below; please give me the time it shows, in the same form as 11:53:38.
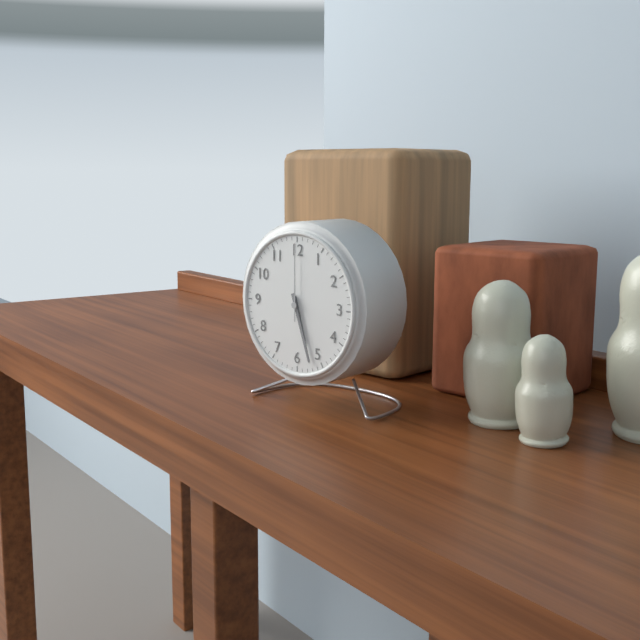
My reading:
5:27:00
